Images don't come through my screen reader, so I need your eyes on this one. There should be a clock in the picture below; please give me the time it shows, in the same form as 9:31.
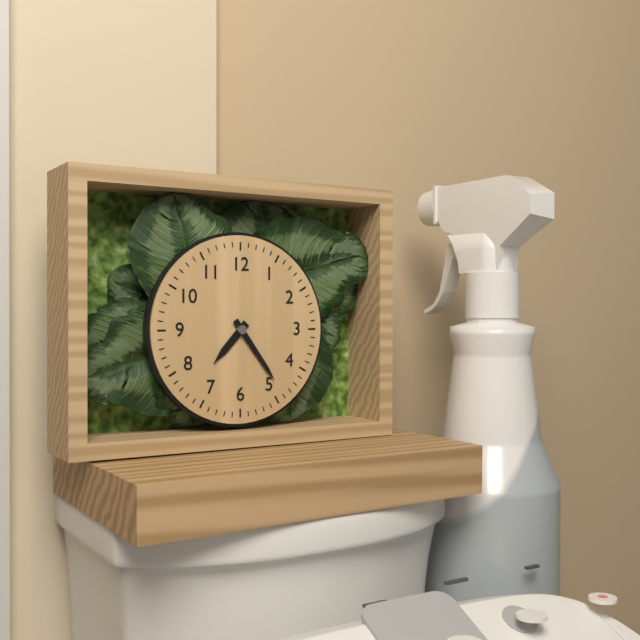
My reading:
7:24
